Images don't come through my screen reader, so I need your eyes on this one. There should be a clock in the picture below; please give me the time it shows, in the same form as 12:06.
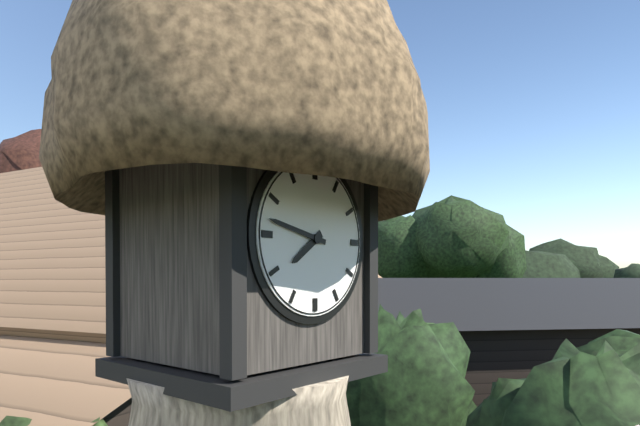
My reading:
7:47
